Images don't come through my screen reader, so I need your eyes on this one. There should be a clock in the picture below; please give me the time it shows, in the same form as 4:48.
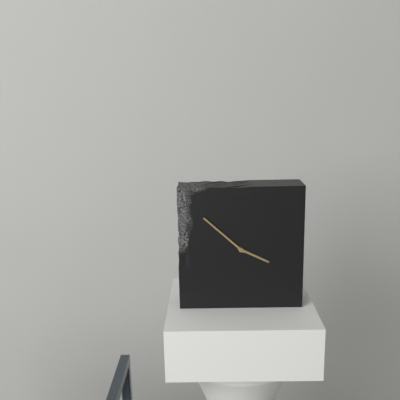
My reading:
3:52
